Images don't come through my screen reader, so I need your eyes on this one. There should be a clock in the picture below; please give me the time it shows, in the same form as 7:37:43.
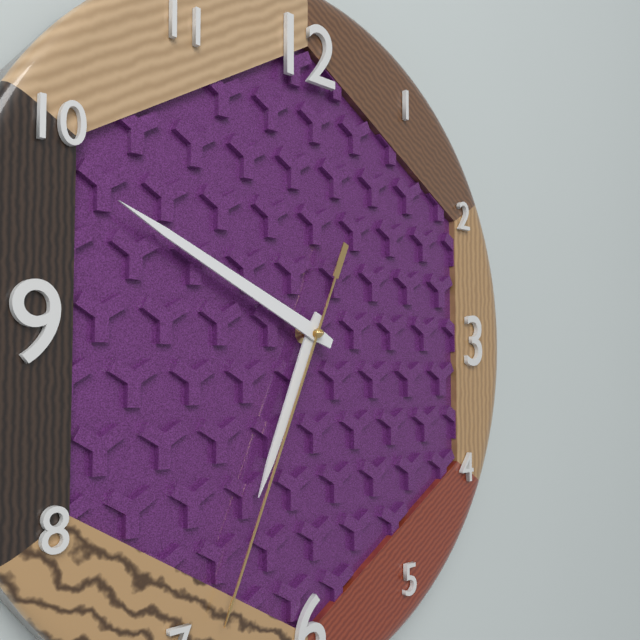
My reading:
6:49:34
